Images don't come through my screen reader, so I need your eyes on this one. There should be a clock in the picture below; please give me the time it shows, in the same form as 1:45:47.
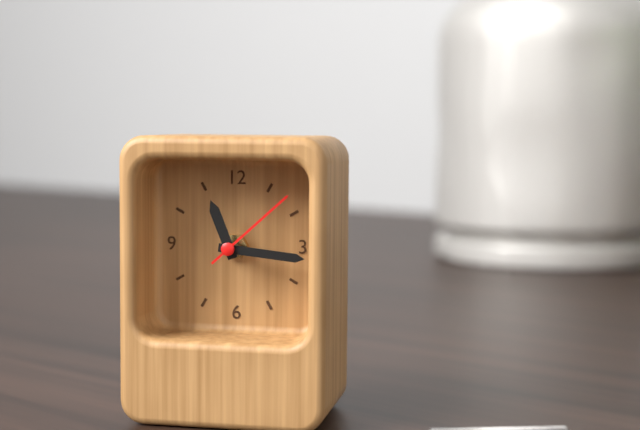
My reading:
11:16:08
